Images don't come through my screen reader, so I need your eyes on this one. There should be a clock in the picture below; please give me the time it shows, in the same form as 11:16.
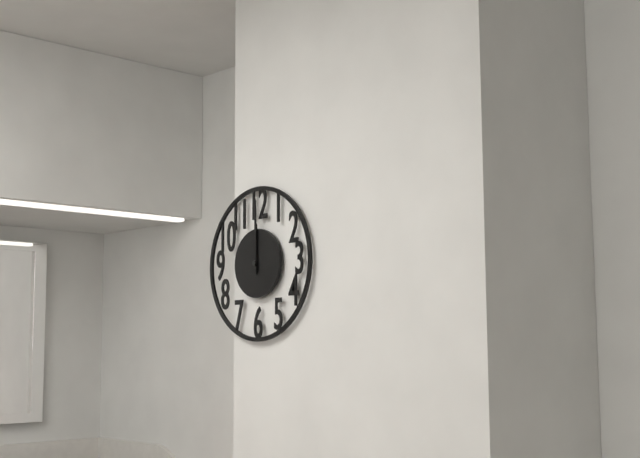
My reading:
12:00
